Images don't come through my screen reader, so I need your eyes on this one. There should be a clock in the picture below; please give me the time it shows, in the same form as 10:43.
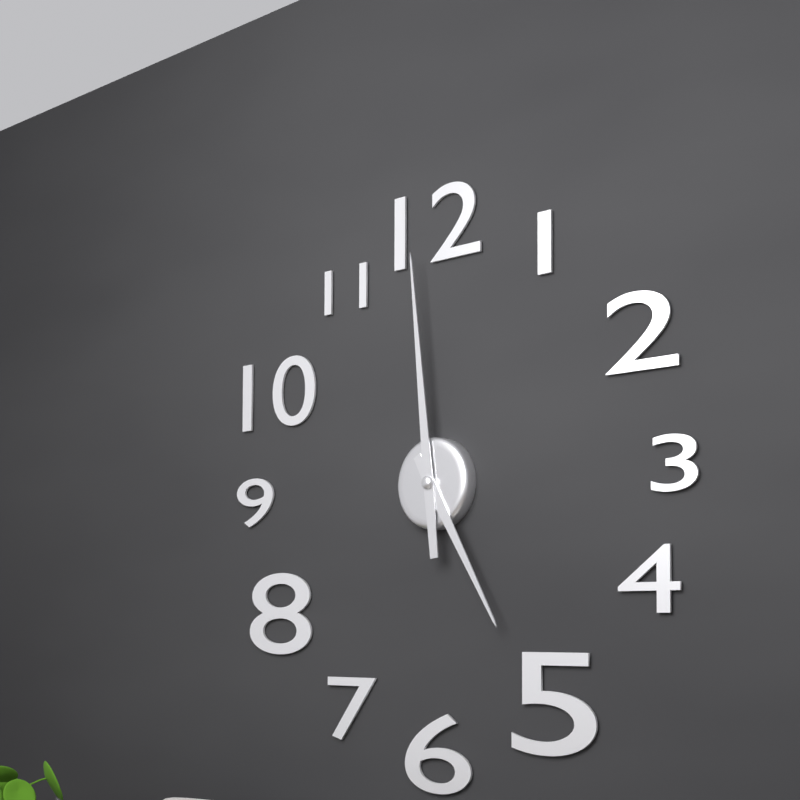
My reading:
4:59
